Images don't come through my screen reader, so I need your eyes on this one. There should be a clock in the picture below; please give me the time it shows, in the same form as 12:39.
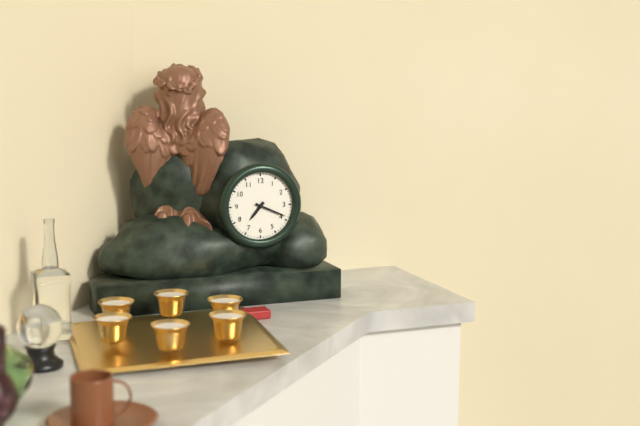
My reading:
7:19
